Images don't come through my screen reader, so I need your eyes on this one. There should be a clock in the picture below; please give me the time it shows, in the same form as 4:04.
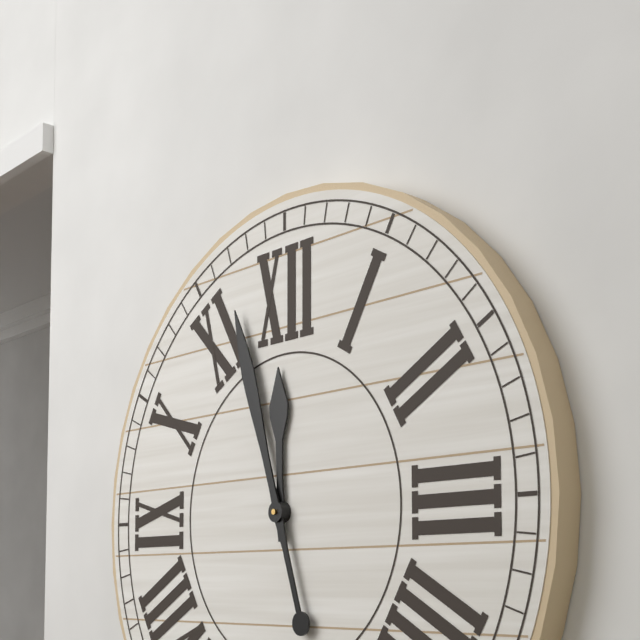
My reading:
11:57
